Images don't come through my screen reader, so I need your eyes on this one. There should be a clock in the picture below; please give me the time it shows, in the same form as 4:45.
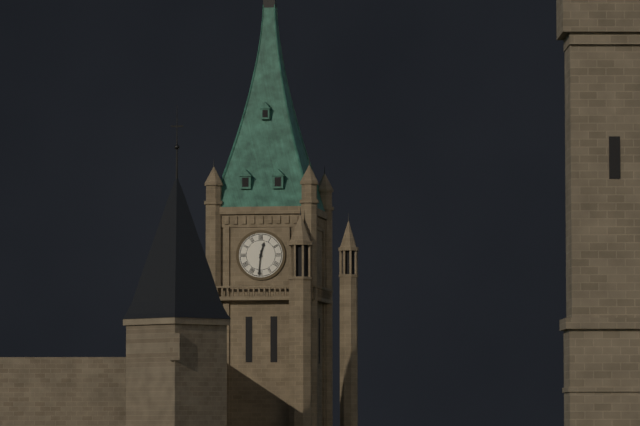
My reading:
12:31
